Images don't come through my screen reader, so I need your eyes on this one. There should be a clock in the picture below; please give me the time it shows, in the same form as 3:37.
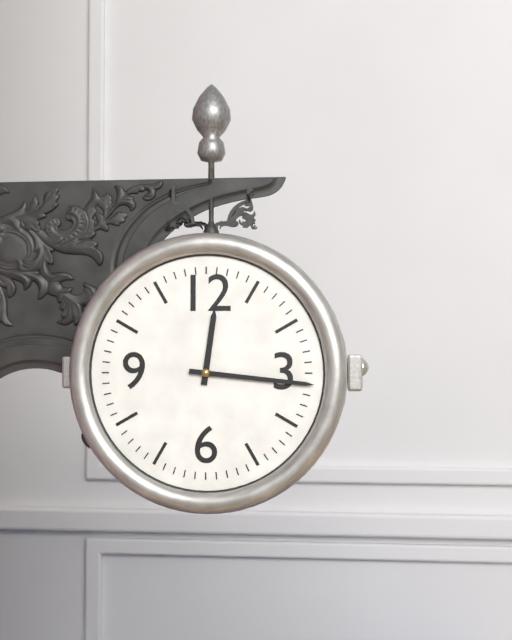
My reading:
12:16
